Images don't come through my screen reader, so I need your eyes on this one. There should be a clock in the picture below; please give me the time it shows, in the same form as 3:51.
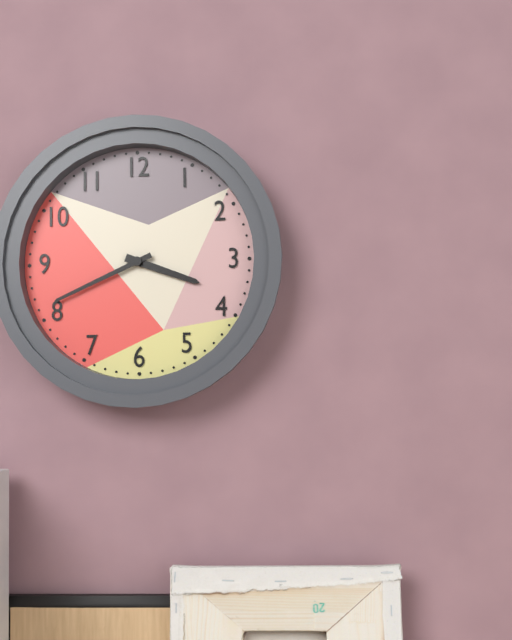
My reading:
3:41
